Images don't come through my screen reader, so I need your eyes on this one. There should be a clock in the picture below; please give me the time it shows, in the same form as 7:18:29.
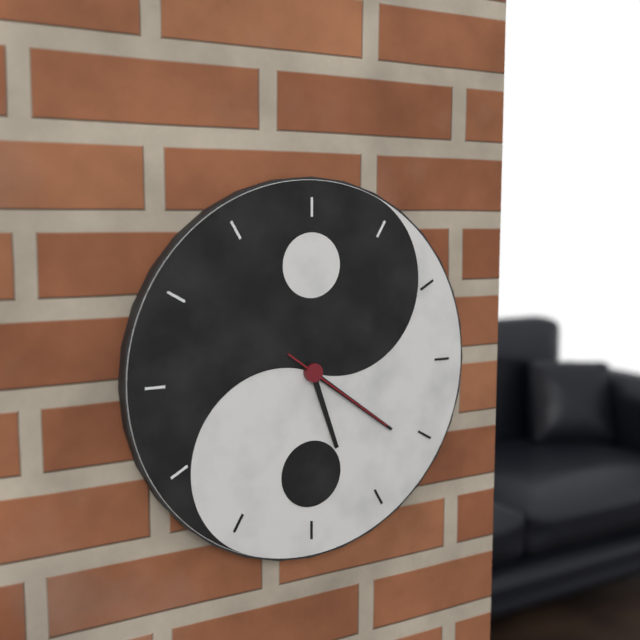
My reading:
5:21:21
